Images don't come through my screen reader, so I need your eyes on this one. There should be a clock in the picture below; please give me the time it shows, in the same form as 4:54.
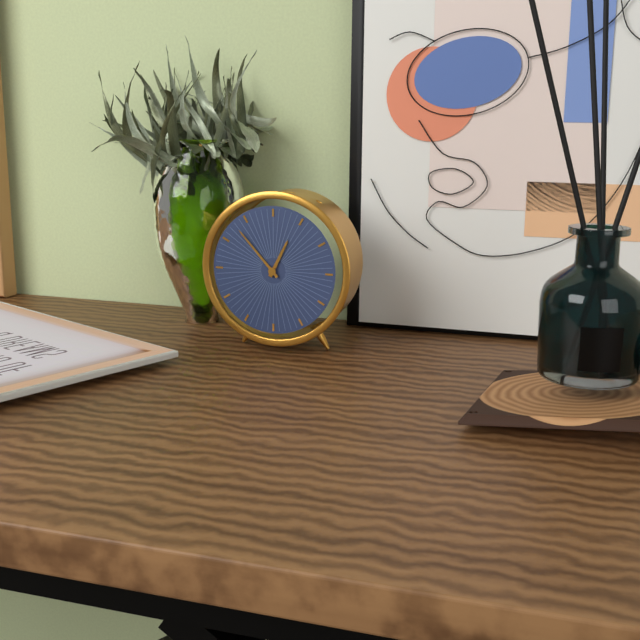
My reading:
12:53
